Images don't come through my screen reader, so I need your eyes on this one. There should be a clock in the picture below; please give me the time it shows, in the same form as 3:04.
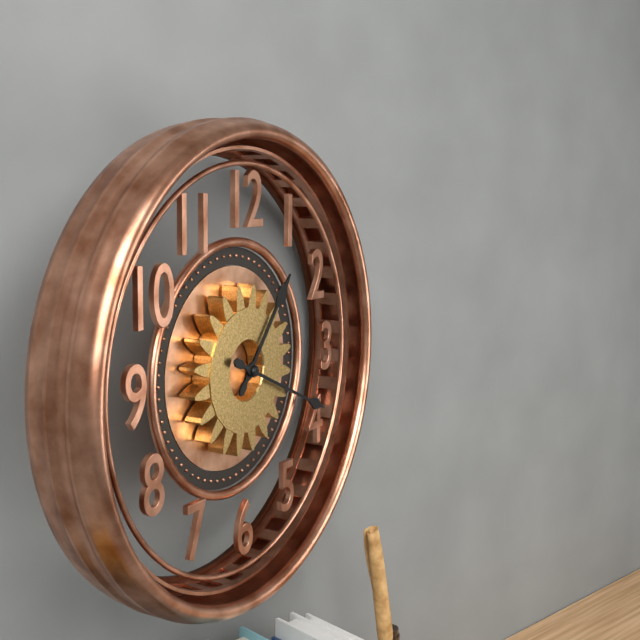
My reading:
1:19
